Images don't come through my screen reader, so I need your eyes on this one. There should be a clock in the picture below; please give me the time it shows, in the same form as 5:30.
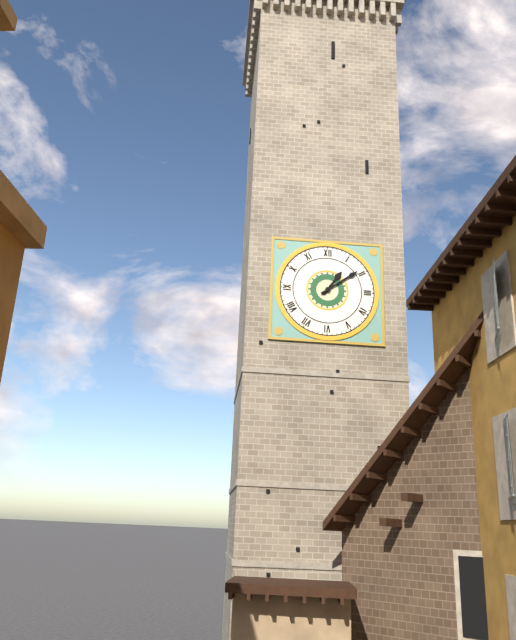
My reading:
1:09
